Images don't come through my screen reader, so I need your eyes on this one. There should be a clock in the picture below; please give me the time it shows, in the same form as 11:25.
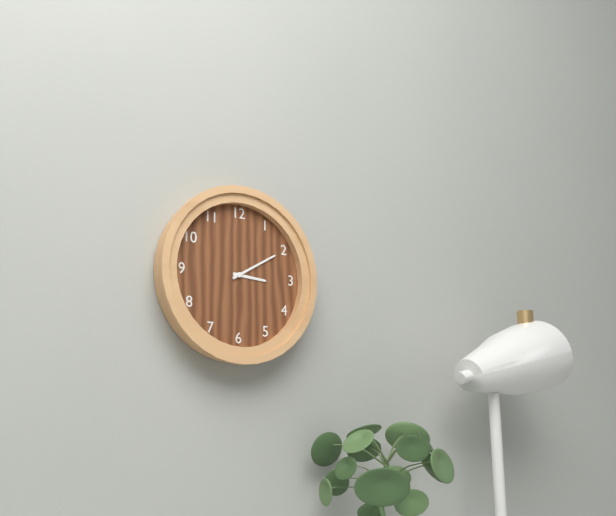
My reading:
3:10
